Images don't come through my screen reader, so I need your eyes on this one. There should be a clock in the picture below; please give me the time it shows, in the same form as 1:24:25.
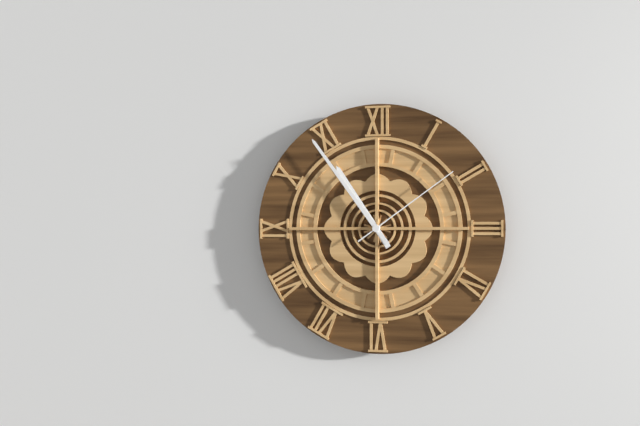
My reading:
10:54:09
